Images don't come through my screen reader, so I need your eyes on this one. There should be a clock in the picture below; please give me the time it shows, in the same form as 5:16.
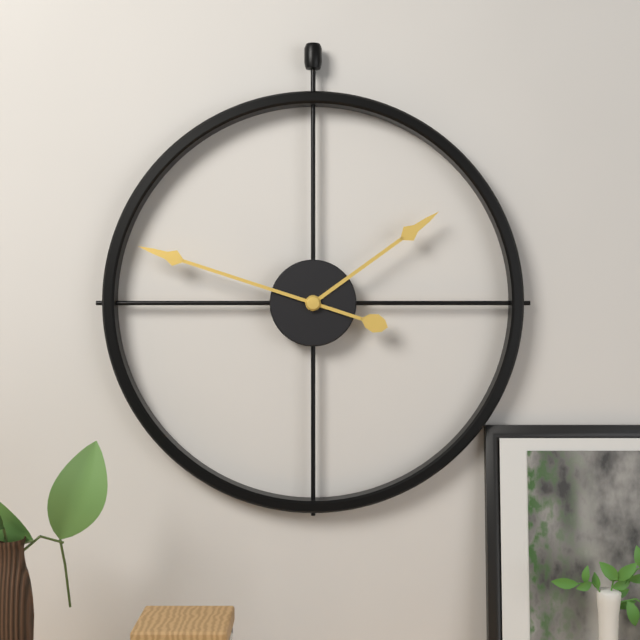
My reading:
1:48
